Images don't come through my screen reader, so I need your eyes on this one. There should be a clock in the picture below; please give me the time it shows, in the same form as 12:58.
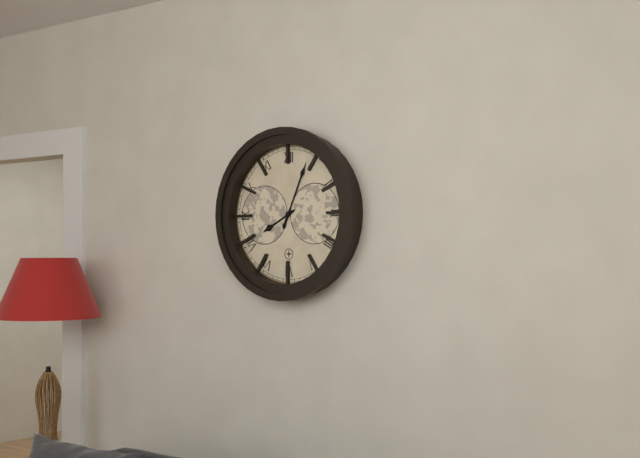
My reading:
8:04
